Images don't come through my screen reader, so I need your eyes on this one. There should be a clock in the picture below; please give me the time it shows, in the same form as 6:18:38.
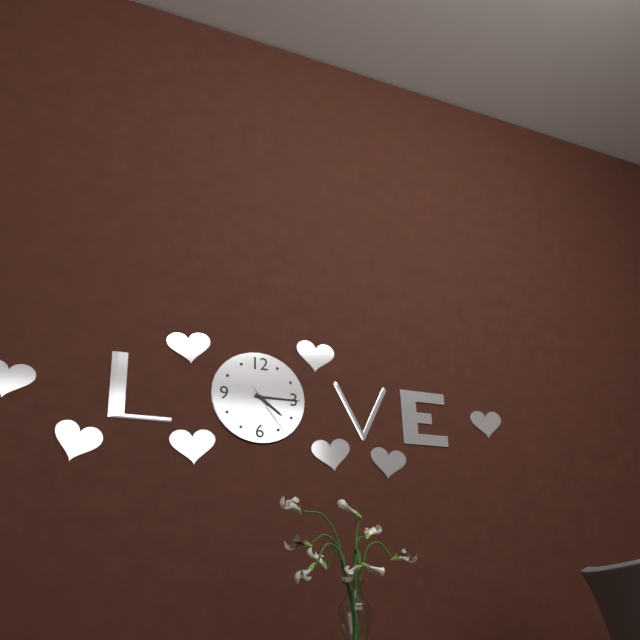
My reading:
4:15:24
